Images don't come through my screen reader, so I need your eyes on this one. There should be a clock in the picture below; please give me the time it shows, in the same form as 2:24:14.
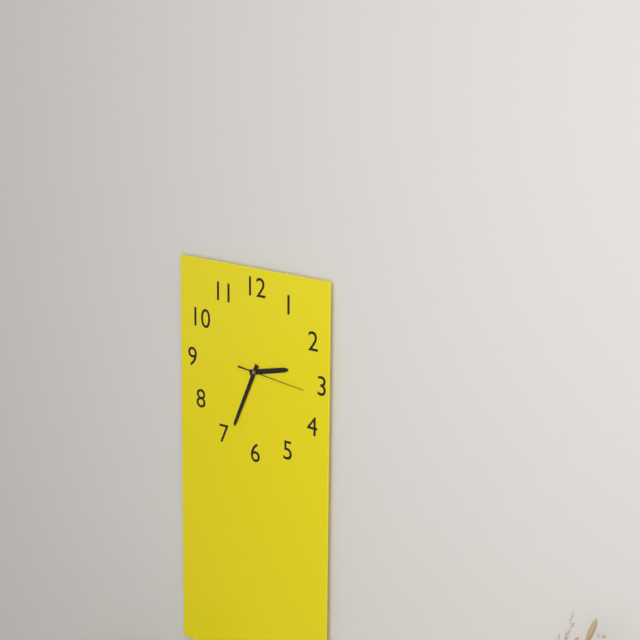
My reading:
2:34:16
